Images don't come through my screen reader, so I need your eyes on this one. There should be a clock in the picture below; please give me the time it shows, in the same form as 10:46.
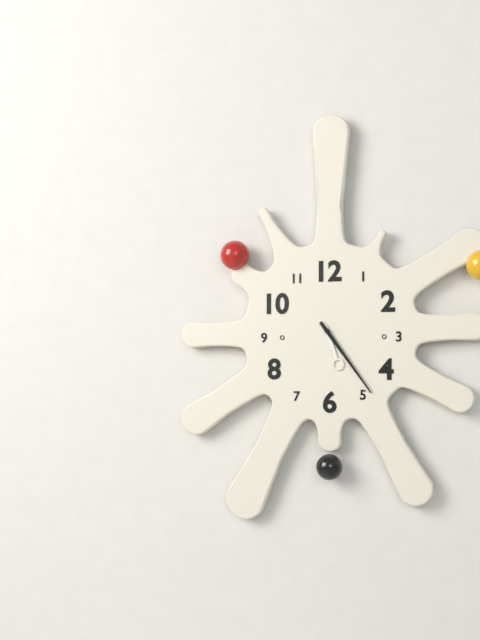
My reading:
5:24
